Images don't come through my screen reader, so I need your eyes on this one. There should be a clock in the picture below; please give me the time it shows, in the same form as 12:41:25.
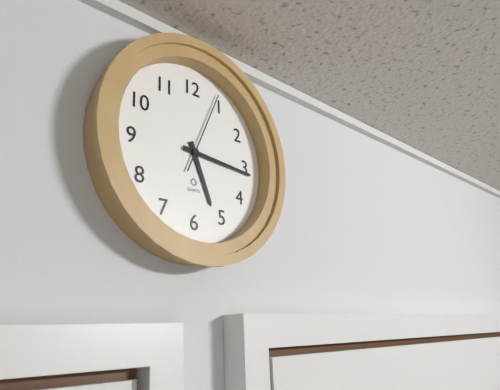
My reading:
5:16:04
